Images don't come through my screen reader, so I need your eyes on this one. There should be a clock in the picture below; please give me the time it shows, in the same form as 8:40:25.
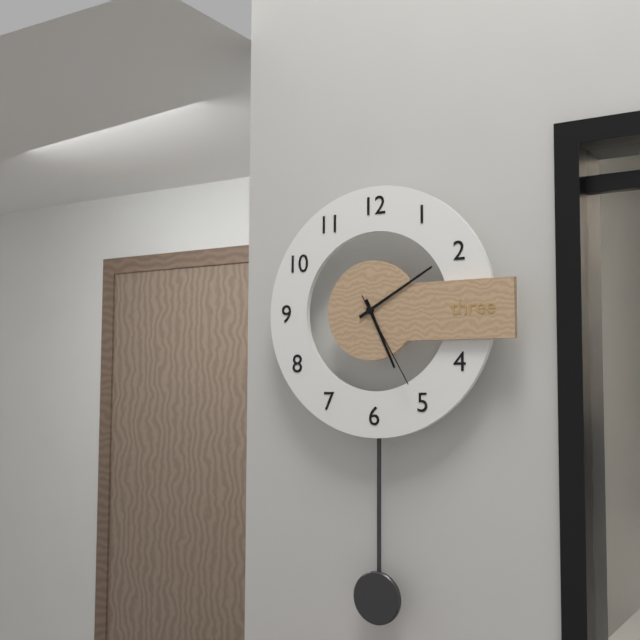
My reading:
5:10:25
